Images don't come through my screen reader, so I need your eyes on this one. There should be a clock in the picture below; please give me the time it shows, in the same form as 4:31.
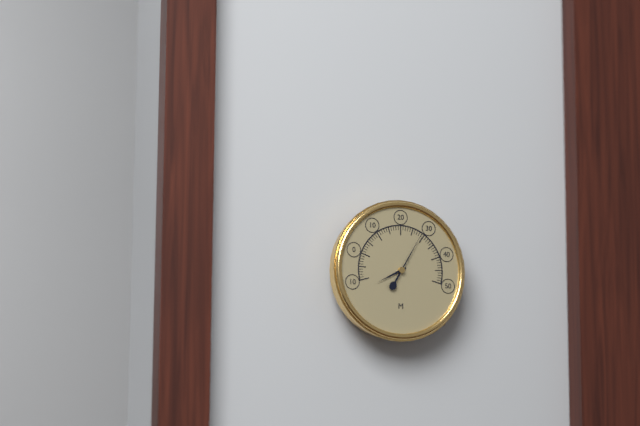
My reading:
8:05
